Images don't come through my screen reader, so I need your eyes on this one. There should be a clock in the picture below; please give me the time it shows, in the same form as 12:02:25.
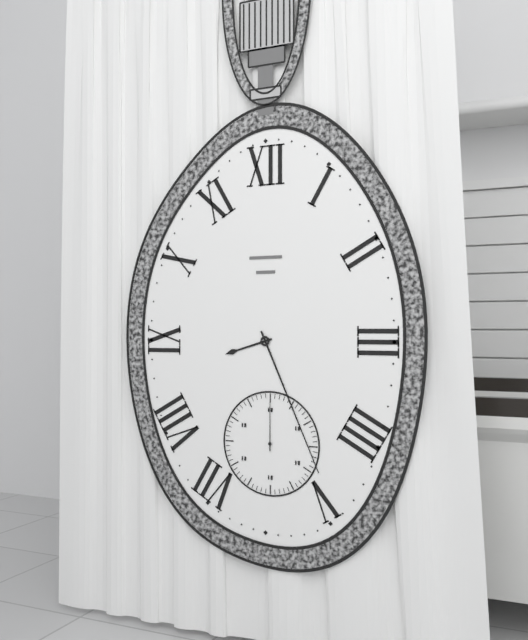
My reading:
8:26:00
